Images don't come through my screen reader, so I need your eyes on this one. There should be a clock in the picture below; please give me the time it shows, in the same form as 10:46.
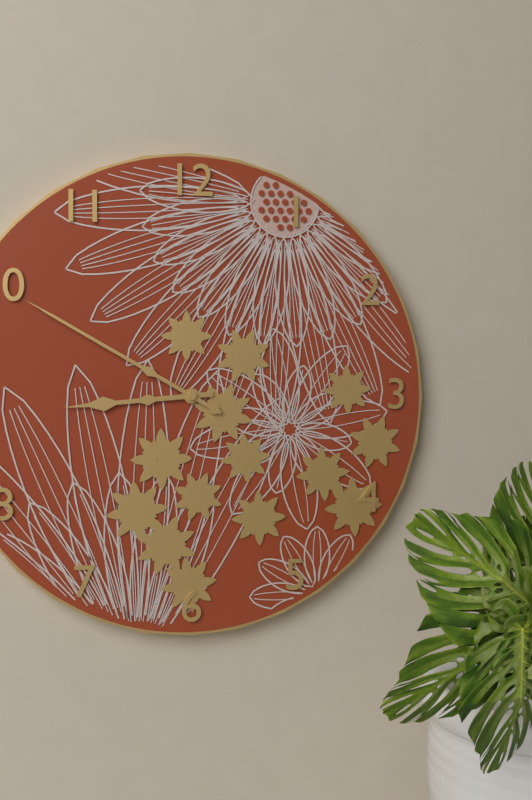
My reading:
8:50
